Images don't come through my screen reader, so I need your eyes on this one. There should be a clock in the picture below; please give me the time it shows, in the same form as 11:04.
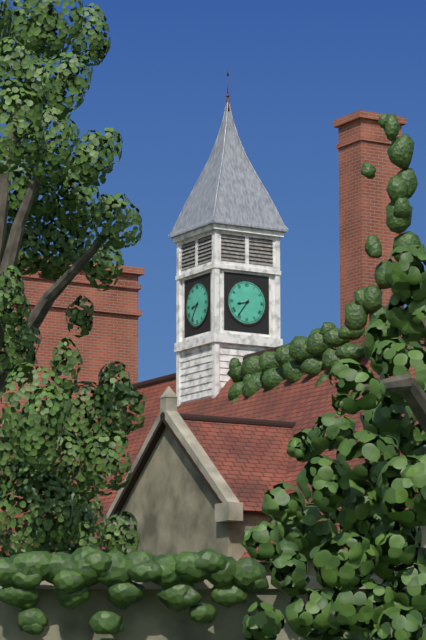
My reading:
8:36
